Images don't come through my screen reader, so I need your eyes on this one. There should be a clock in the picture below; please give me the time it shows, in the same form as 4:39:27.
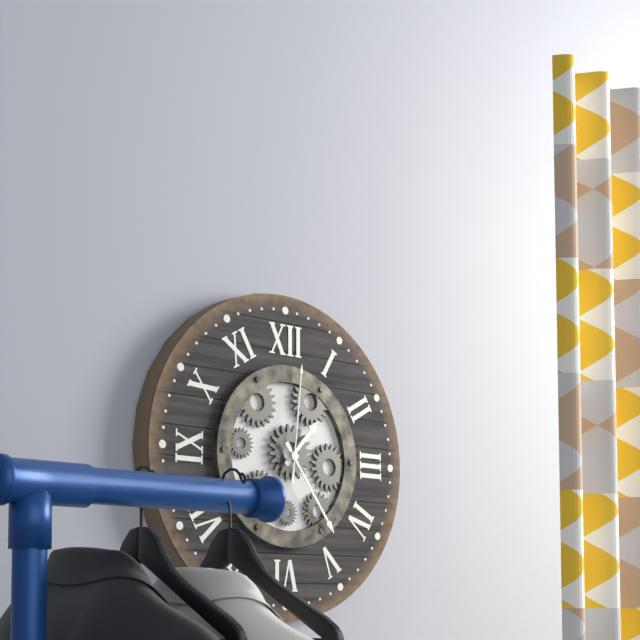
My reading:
1:24:01
